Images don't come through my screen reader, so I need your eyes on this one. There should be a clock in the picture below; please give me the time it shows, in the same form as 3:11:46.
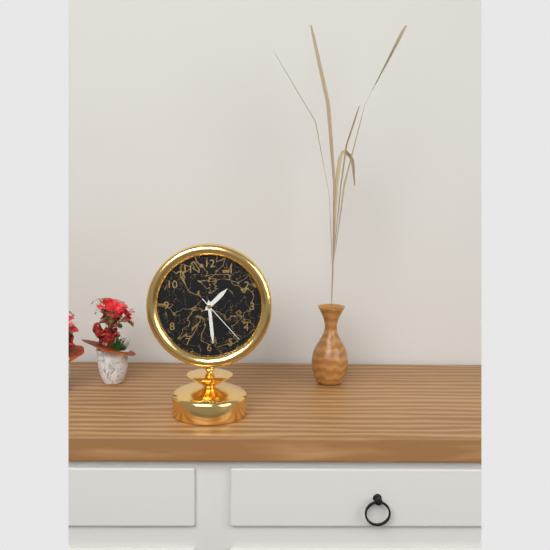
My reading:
1:29:23
